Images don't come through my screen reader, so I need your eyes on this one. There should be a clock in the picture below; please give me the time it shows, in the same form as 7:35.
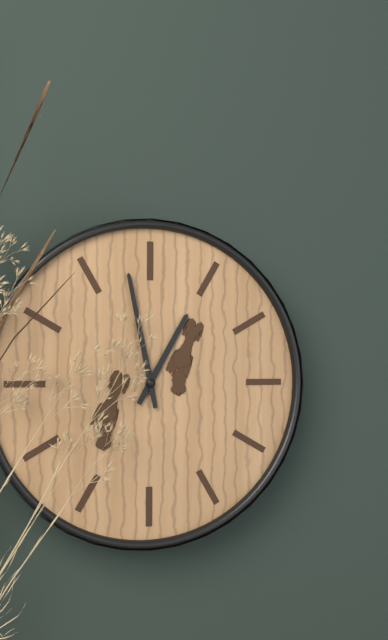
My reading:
12:58
